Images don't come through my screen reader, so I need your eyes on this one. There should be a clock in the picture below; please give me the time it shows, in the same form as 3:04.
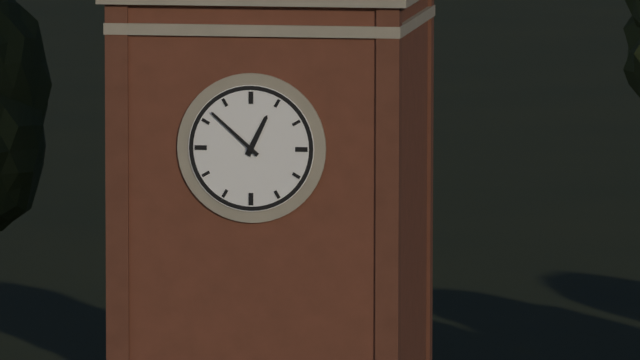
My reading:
12:52
